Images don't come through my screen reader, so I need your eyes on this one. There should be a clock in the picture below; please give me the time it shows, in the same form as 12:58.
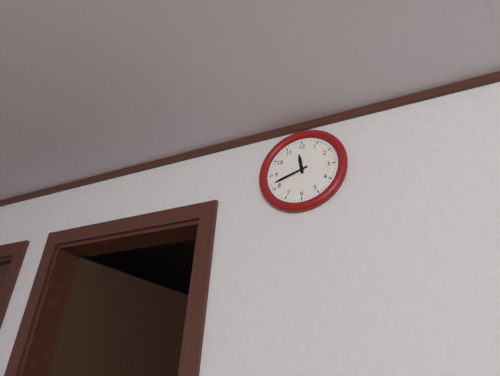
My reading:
11:42
